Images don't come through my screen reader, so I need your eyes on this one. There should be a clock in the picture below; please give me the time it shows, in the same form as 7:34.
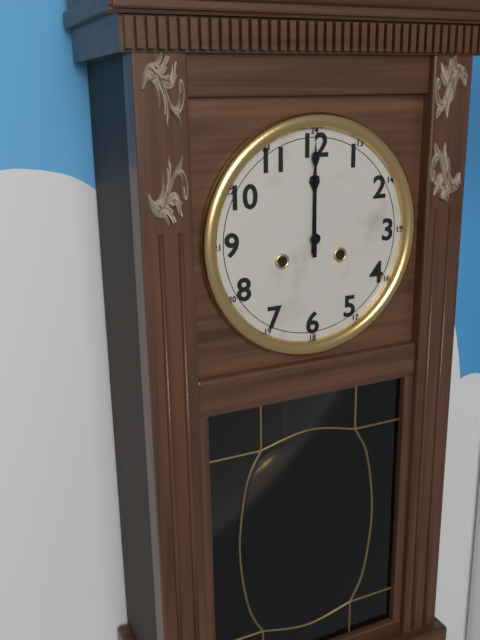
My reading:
12:00
